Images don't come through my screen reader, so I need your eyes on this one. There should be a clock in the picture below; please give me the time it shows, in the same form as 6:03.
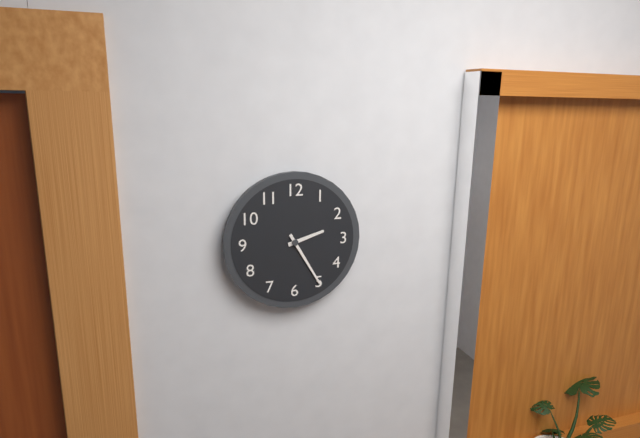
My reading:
2:25
